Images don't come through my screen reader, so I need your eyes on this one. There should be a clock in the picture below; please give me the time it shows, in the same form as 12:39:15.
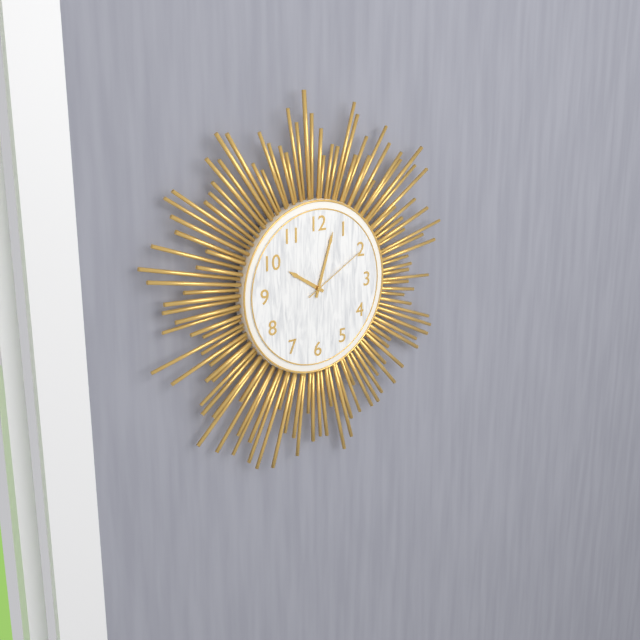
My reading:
10:03:10
